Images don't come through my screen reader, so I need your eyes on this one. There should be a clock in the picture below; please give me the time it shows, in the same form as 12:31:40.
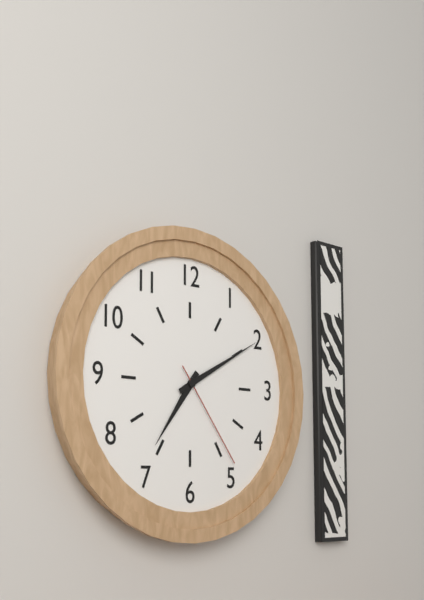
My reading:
7:10:24
